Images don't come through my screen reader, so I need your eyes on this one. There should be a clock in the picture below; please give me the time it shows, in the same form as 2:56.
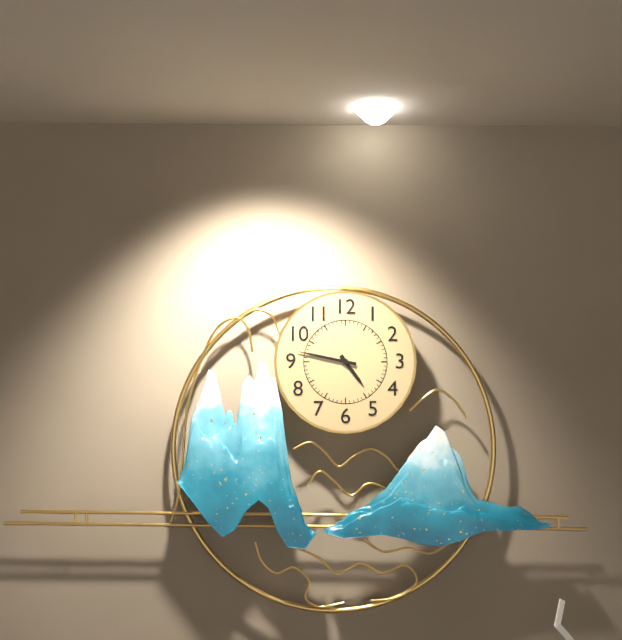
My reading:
4:47
